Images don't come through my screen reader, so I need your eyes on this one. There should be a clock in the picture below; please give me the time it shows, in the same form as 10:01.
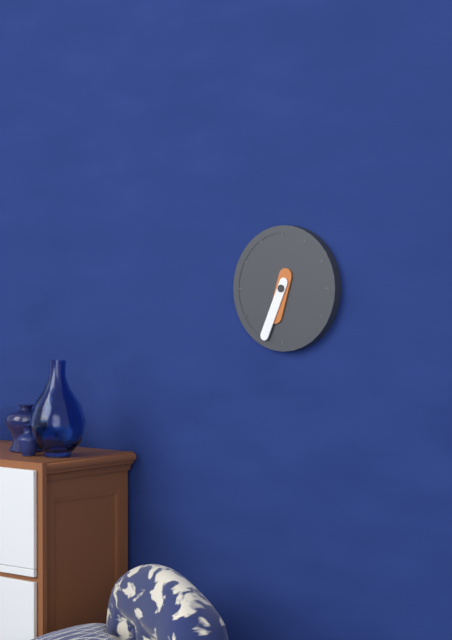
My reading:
6:34
